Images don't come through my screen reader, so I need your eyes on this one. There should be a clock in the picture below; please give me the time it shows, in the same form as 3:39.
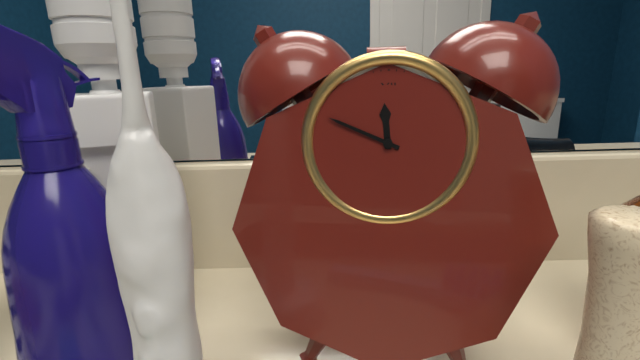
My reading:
11:49
